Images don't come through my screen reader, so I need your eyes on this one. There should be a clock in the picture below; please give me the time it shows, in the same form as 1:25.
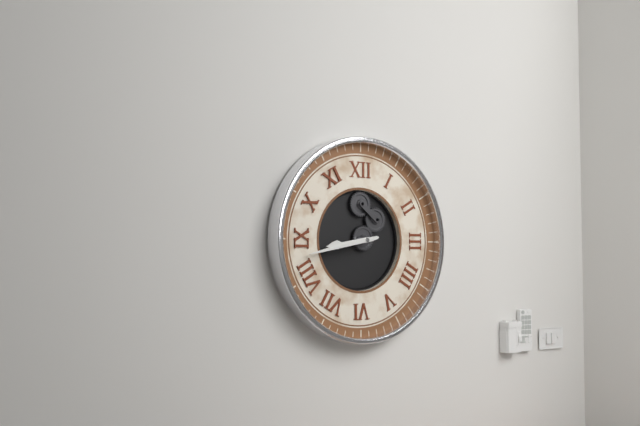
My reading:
8:43
